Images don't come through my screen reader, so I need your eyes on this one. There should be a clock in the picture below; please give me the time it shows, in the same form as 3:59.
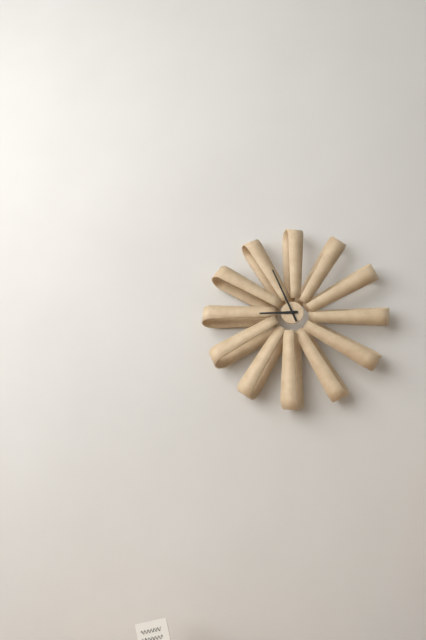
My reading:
8:56
